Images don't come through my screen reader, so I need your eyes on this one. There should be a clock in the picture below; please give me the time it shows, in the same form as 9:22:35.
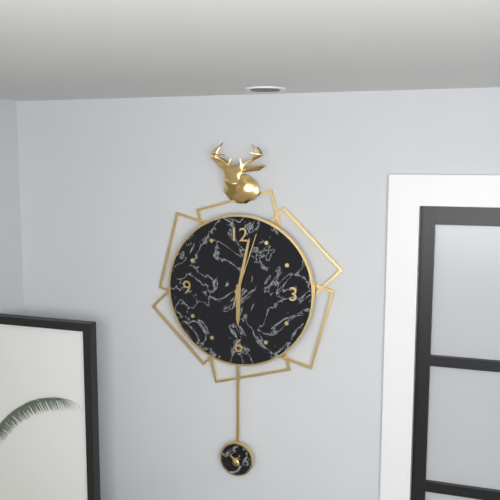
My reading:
6:02:03
